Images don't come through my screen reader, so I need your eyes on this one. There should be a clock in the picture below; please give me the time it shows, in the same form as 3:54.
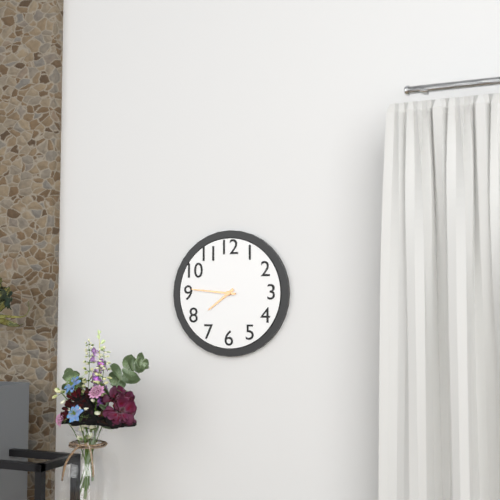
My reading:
7:46
